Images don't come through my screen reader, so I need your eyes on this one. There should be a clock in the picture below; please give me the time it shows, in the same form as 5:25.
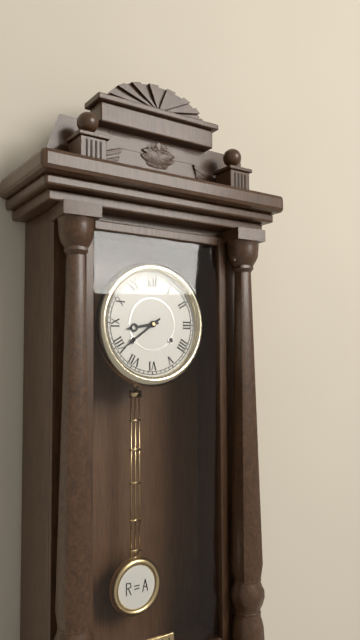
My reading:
8:39
